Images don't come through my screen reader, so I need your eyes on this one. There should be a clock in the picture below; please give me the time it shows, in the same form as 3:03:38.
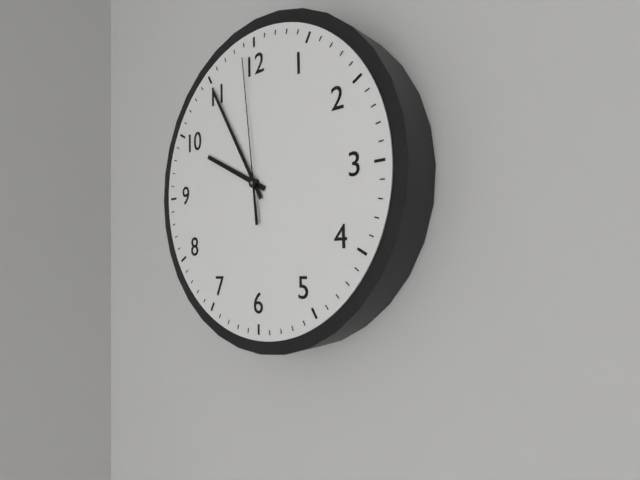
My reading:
9:55:59
